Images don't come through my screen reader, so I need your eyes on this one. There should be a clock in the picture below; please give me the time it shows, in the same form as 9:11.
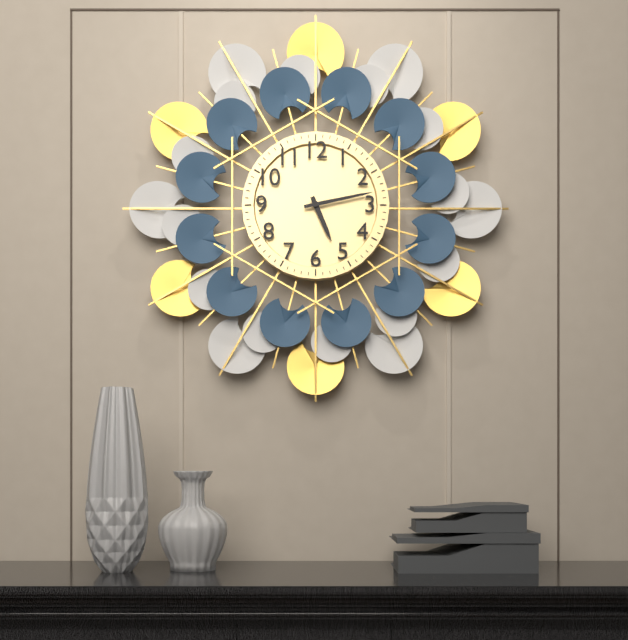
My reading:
5:13
